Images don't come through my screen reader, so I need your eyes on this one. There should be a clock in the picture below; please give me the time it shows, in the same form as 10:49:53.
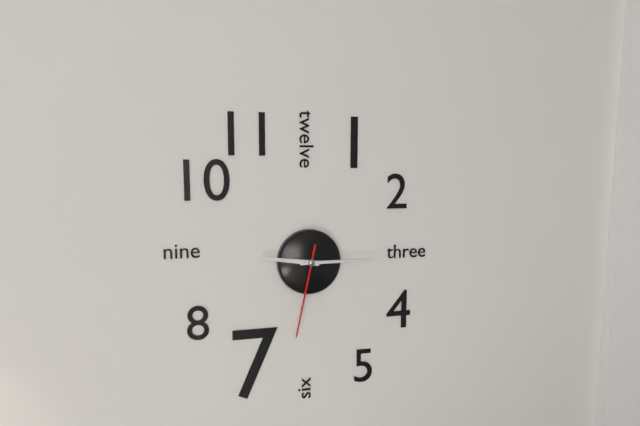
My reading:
9:15:32
